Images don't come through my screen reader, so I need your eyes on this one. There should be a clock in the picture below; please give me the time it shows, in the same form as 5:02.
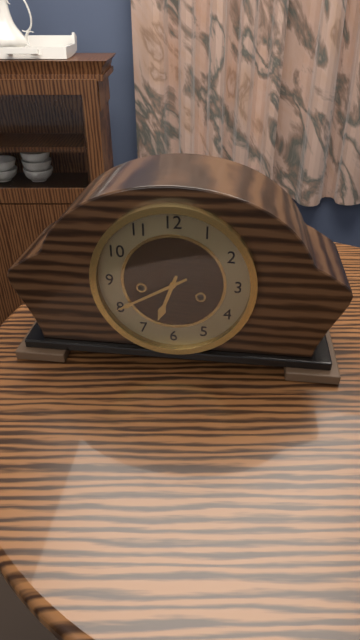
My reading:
6:40
